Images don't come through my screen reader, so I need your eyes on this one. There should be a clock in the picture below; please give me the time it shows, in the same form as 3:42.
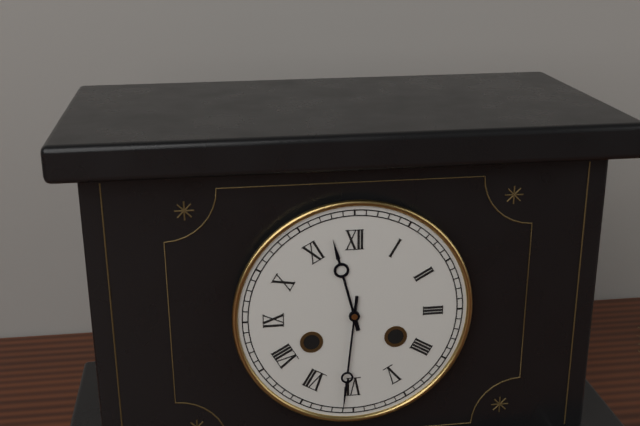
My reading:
11:31
